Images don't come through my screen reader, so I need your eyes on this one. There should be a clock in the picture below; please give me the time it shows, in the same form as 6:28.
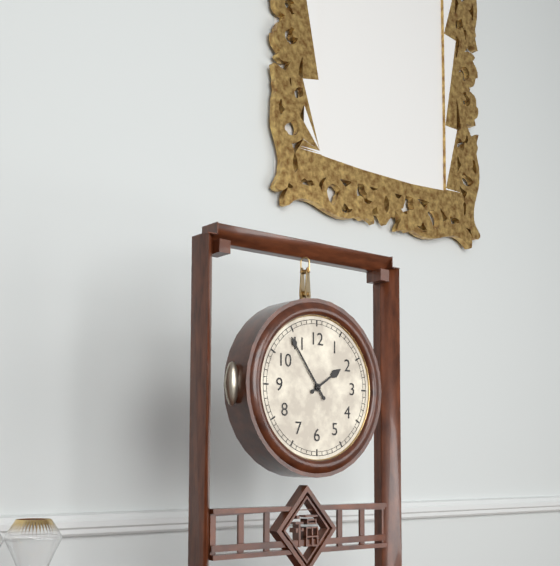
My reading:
1:54
